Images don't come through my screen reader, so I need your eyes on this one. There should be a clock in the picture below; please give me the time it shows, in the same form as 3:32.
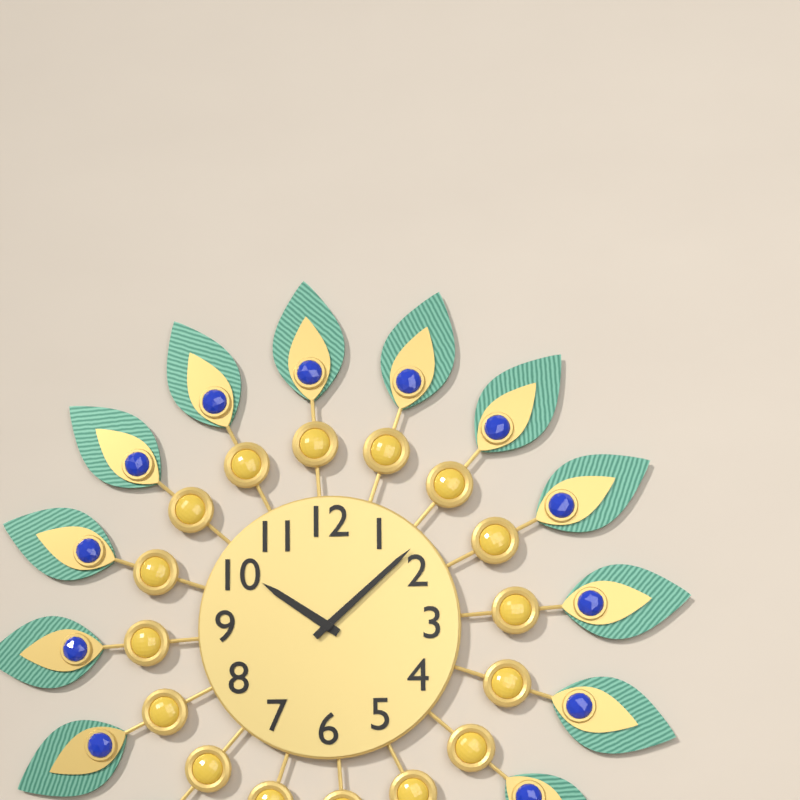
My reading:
10:08
